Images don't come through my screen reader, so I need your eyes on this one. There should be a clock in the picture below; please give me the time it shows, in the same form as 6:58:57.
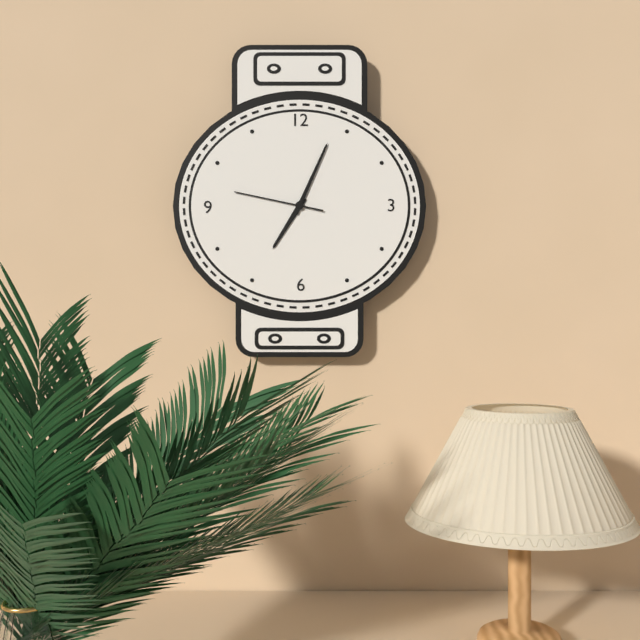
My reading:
7:04:47
